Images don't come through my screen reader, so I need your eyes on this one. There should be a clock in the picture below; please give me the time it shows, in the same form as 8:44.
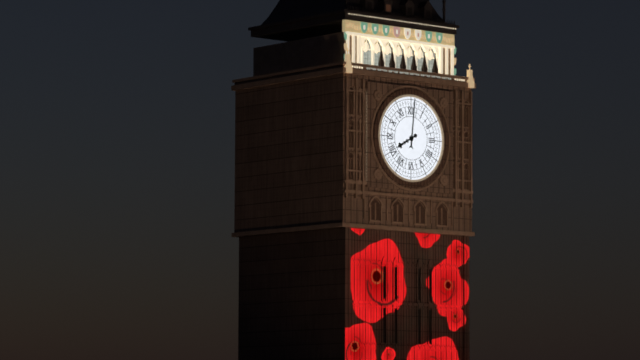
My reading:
8:01
